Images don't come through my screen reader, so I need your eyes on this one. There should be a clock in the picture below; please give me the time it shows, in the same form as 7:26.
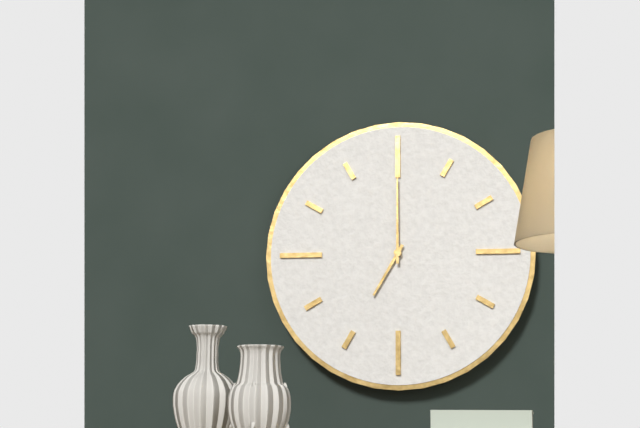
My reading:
7:00
